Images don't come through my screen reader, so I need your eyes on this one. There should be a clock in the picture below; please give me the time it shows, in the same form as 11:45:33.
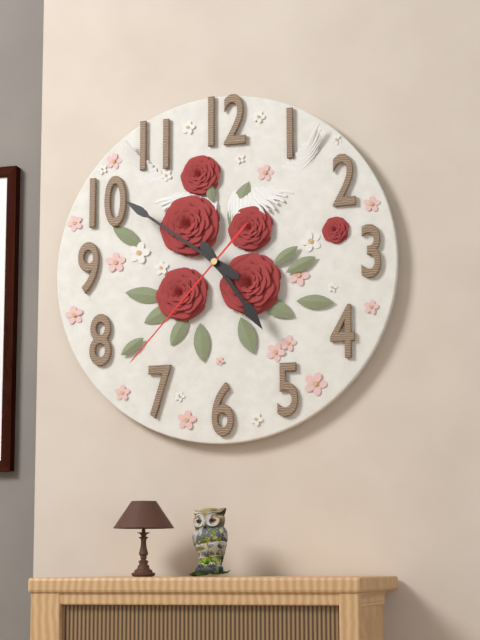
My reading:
4:51:37
